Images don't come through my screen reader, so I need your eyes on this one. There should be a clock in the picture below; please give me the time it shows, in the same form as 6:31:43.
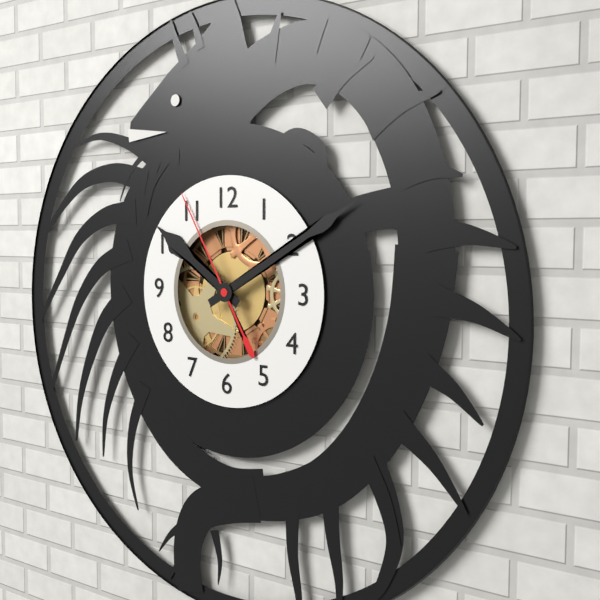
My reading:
10:10:55
